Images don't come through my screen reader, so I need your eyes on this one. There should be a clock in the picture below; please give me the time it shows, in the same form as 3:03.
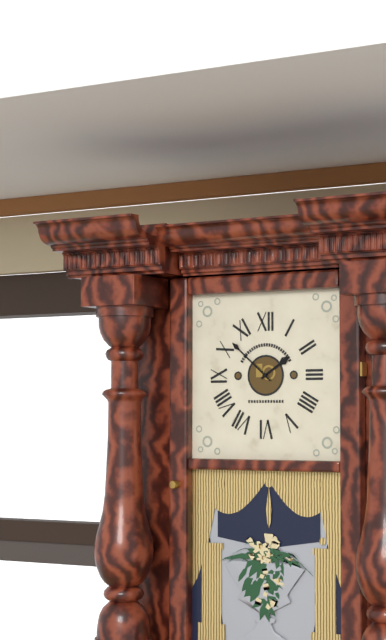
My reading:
1:52
